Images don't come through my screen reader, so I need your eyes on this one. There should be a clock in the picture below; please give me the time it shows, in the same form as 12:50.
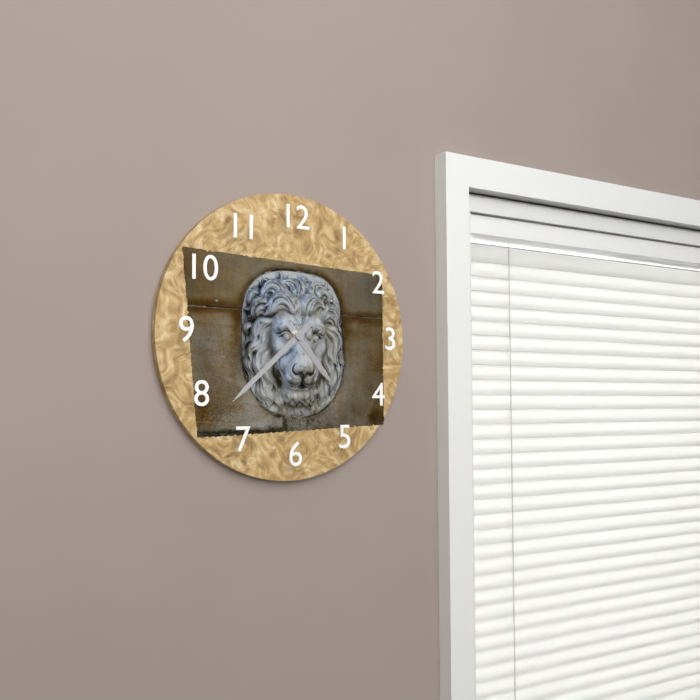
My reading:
4:38
